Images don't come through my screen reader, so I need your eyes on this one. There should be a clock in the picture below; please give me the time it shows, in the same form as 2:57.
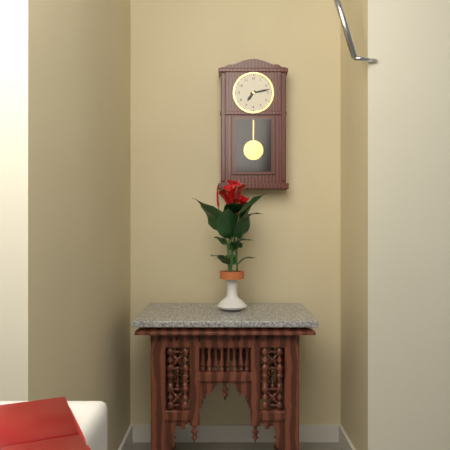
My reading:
7:13
